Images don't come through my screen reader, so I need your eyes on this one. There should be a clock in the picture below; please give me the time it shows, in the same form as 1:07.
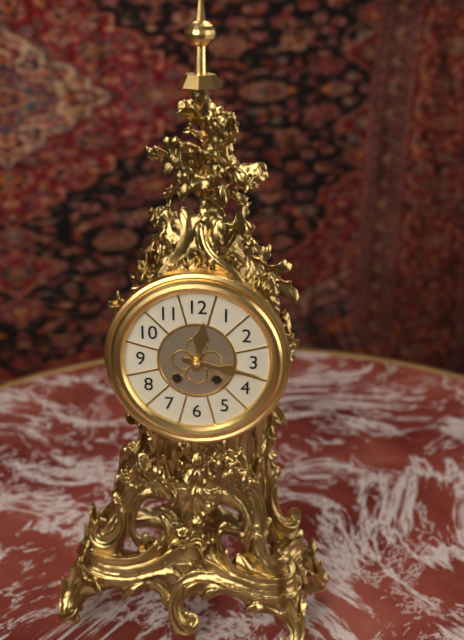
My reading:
12:17
